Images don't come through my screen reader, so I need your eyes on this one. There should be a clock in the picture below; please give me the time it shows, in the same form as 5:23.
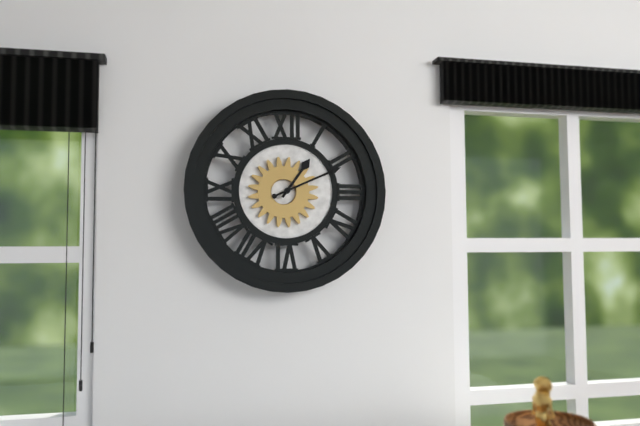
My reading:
1:11
